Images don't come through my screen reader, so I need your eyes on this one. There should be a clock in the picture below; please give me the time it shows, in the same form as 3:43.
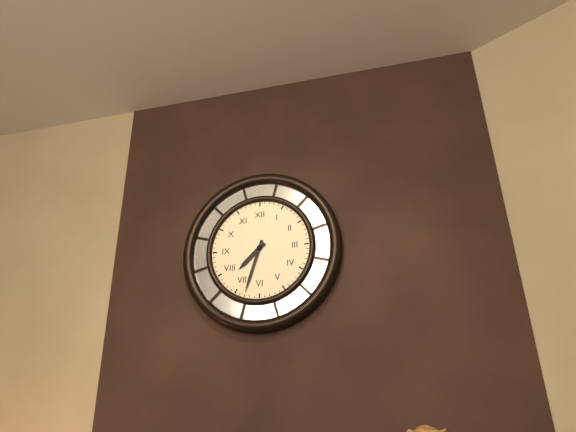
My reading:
7:33
